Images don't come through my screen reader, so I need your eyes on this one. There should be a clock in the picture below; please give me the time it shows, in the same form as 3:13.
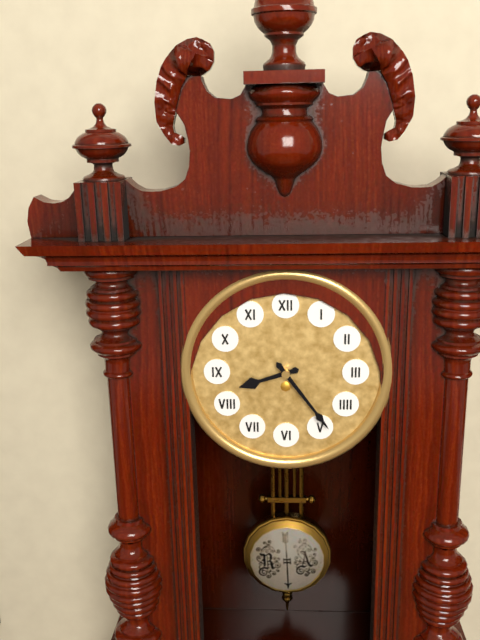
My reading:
8:24
